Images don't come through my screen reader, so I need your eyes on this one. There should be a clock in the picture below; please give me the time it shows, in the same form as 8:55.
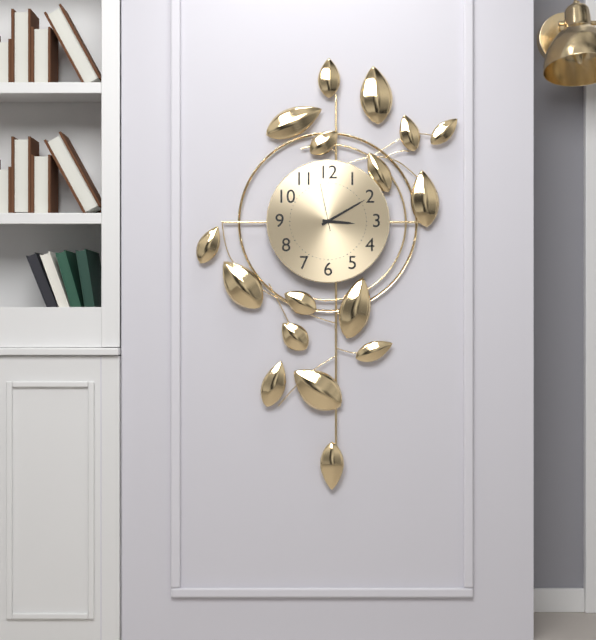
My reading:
3:10
